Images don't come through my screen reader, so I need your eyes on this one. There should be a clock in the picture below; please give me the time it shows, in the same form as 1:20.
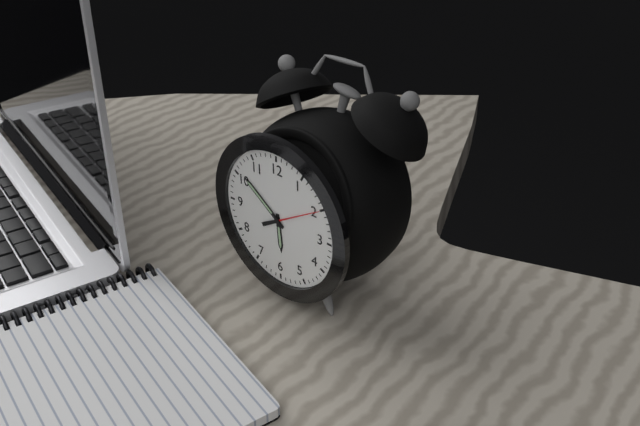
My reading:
5:51
